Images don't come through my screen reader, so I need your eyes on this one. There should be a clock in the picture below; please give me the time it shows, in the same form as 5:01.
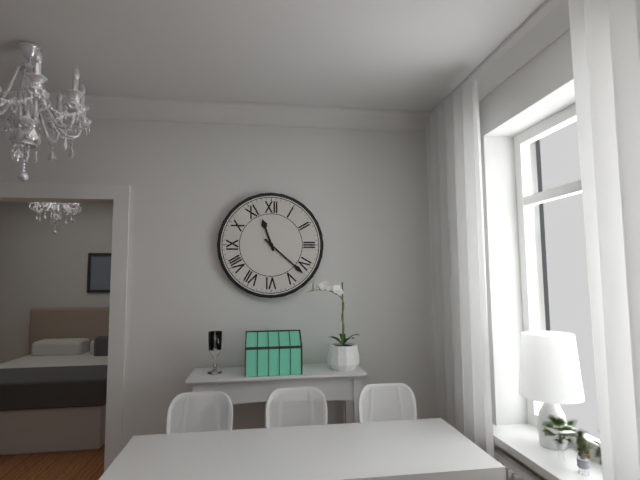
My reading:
11:22
